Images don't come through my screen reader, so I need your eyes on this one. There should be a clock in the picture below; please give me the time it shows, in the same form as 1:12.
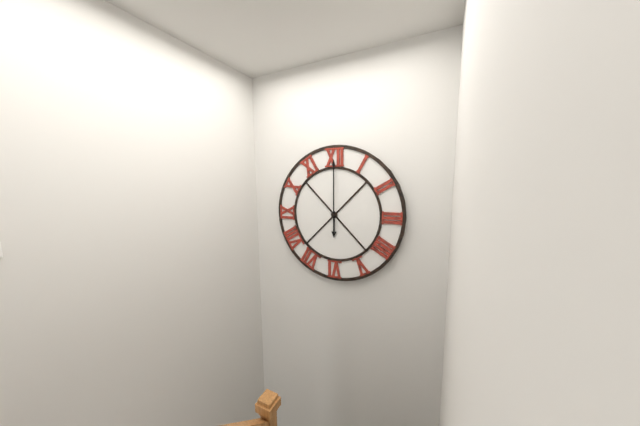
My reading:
6:00
